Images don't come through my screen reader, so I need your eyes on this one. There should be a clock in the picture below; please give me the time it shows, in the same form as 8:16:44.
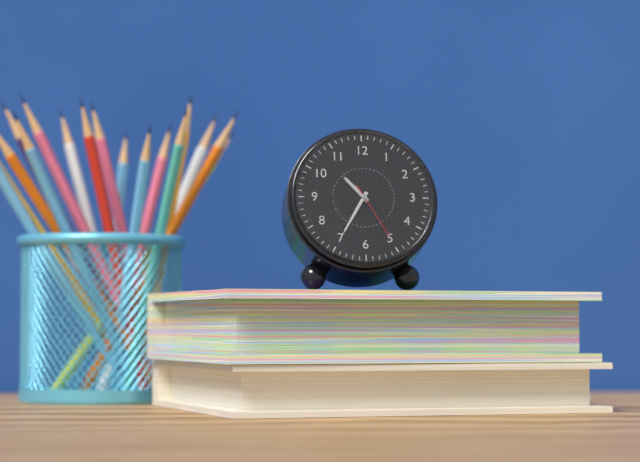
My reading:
10:35:25
